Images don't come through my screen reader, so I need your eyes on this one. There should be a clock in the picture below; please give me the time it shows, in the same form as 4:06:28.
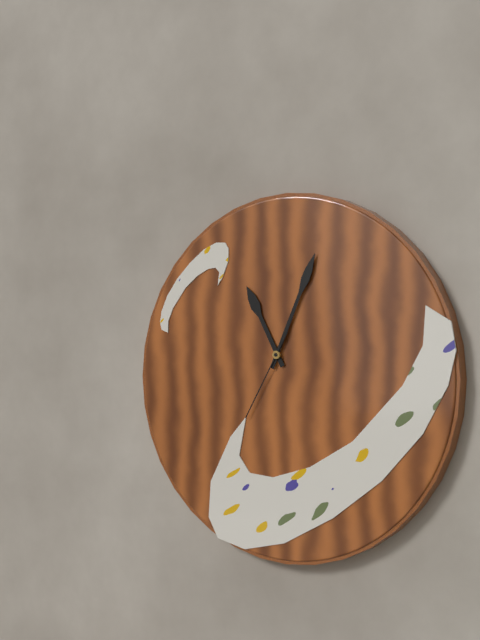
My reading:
11:04:35
